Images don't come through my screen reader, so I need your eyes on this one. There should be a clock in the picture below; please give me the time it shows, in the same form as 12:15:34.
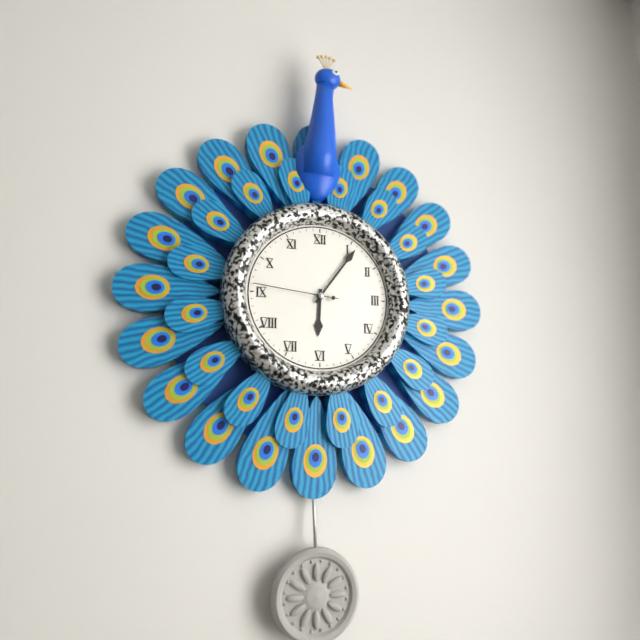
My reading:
6:06:46
